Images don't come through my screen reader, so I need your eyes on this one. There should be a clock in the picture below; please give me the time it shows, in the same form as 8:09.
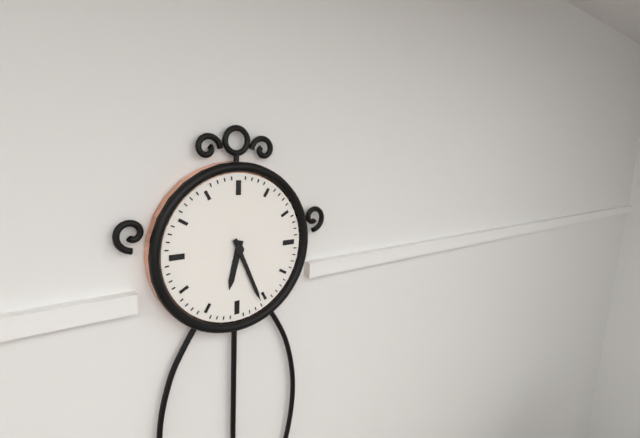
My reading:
6:26
